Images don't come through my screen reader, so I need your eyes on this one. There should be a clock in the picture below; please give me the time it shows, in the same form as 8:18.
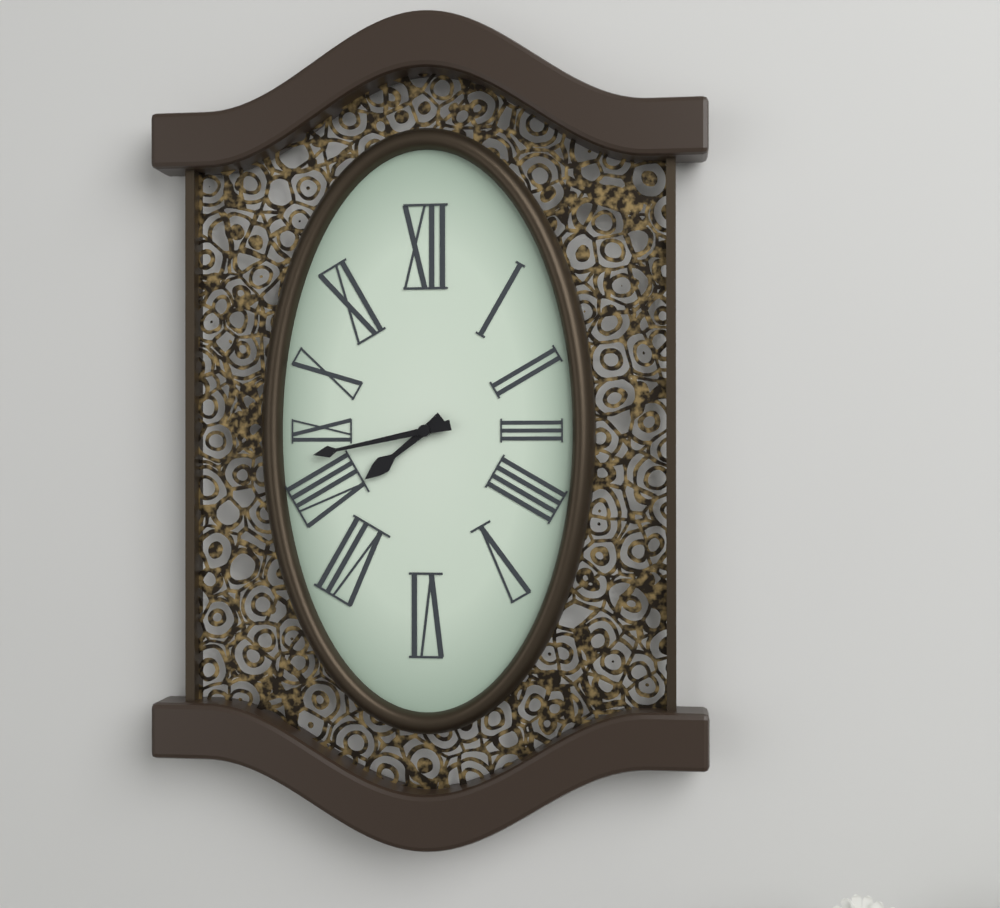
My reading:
7:43
